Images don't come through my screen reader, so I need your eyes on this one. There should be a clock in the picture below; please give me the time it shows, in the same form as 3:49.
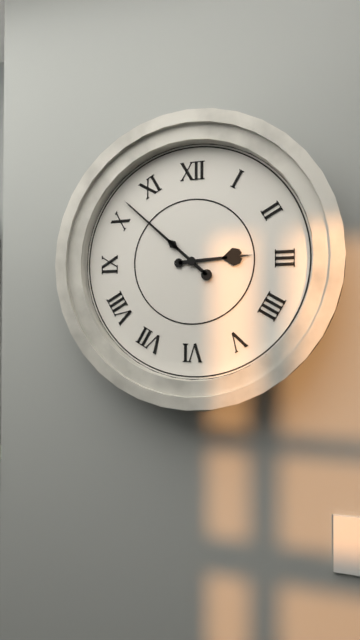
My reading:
2:52
